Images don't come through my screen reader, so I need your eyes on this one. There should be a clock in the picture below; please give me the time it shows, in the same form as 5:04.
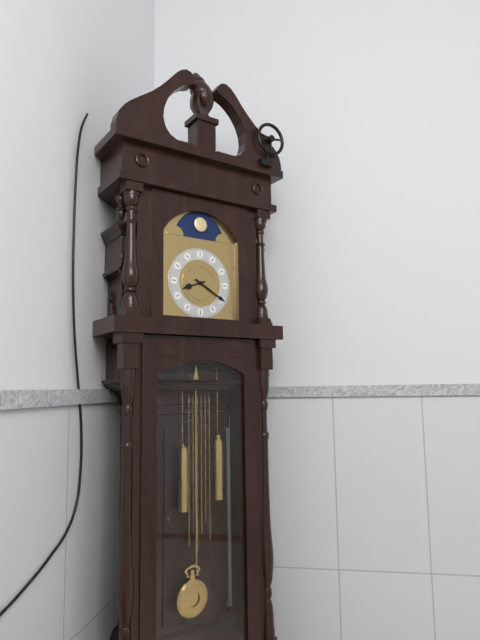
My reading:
8:20
